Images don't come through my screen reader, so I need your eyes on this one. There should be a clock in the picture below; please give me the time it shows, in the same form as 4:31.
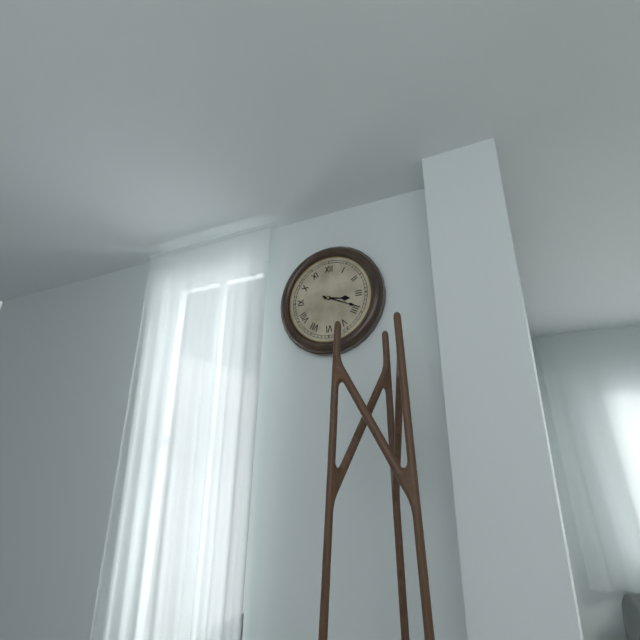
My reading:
3:19
